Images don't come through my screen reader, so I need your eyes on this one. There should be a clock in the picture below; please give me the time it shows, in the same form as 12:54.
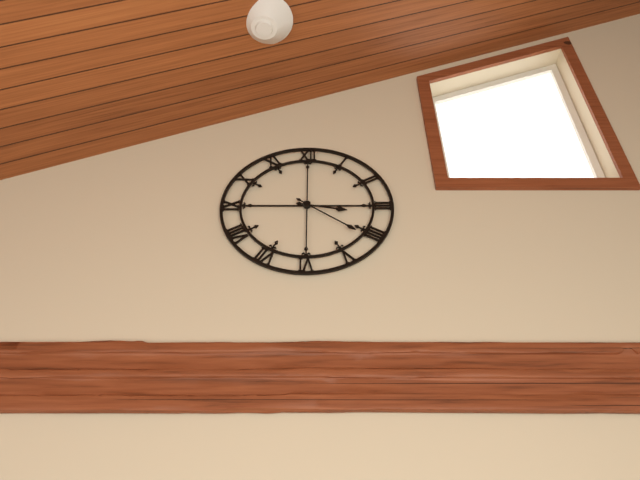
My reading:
3:21
